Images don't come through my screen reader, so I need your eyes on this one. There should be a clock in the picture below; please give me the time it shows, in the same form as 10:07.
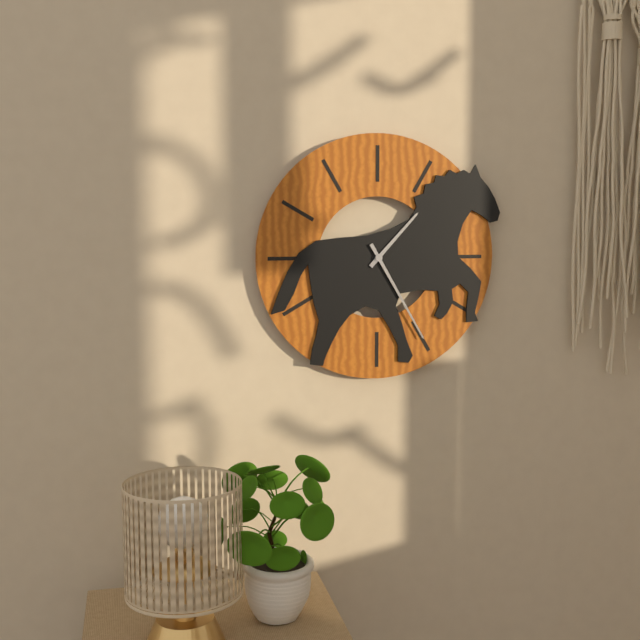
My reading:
1:25
